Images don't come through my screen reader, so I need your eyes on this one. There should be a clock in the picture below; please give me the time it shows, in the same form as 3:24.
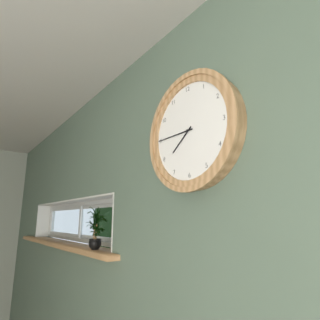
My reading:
7:45
